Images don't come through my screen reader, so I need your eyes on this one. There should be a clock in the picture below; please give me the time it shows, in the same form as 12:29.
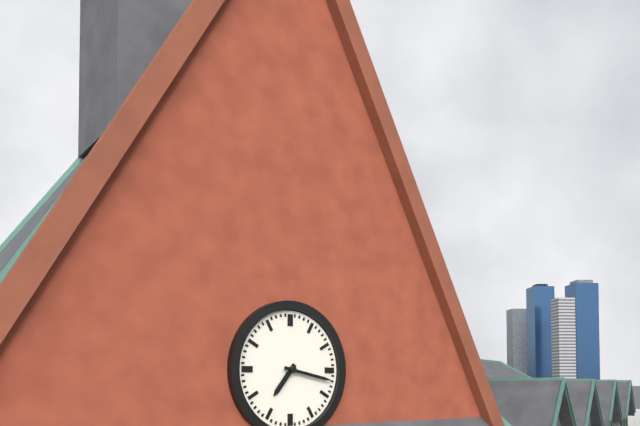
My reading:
7:17
